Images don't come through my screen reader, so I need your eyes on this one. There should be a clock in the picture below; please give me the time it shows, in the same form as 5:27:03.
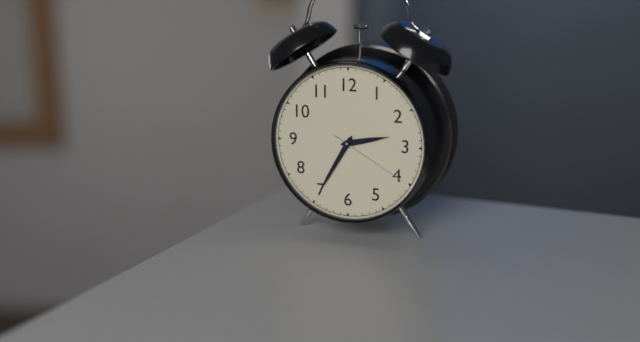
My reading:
2:35:20
